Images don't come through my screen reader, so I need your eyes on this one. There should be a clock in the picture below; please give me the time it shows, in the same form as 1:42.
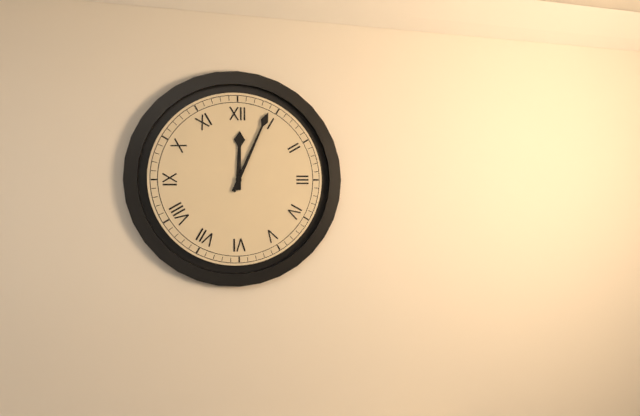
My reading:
12:04
